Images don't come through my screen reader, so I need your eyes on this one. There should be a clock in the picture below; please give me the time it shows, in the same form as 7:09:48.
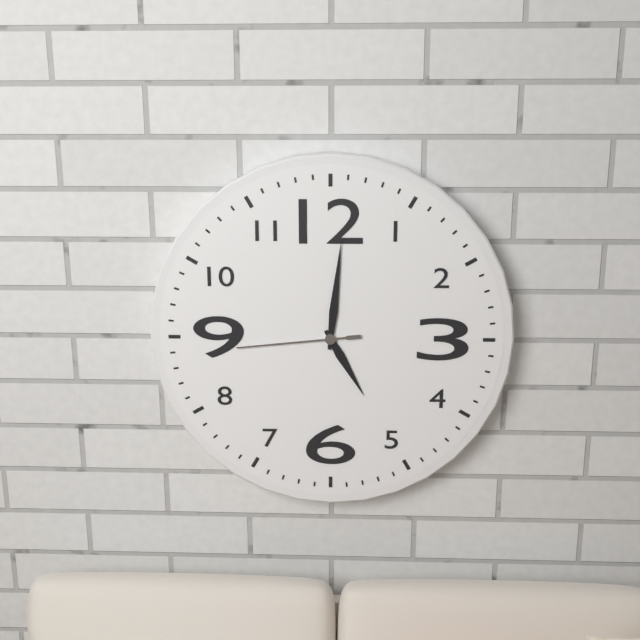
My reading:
5:01:44
